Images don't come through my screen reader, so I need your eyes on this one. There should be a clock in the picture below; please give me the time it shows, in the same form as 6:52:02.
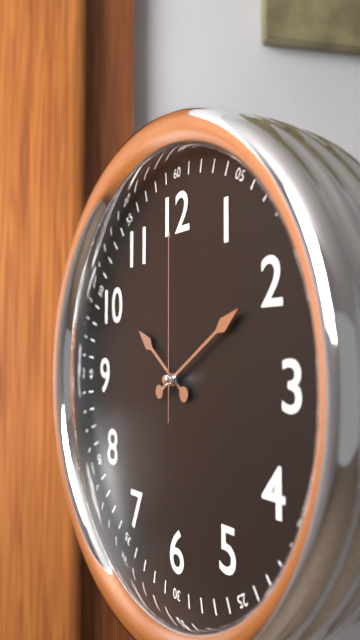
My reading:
10:10:00
